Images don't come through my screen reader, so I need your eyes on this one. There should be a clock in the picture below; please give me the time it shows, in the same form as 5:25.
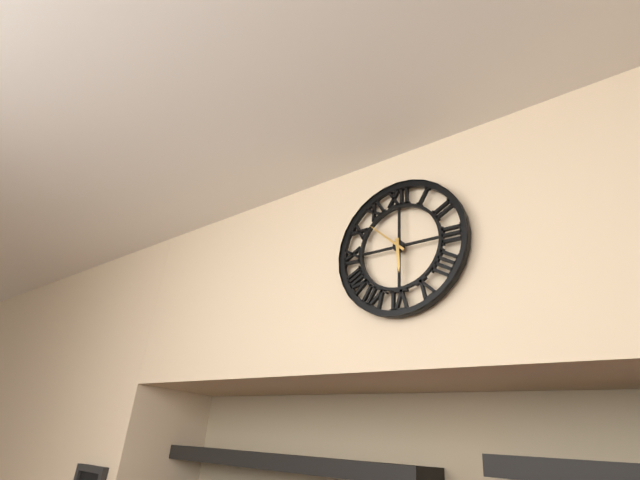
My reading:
5:52
